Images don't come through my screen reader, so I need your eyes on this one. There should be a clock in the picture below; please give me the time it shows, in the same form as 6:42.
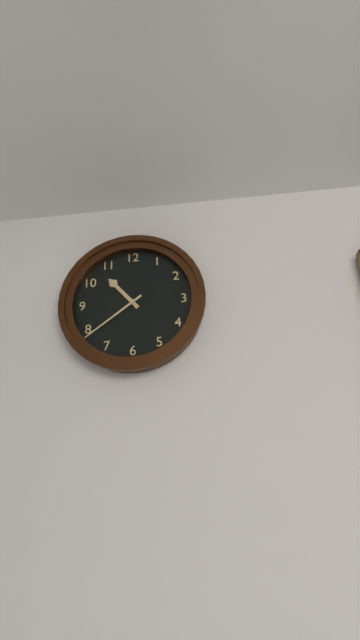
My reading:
10:39
